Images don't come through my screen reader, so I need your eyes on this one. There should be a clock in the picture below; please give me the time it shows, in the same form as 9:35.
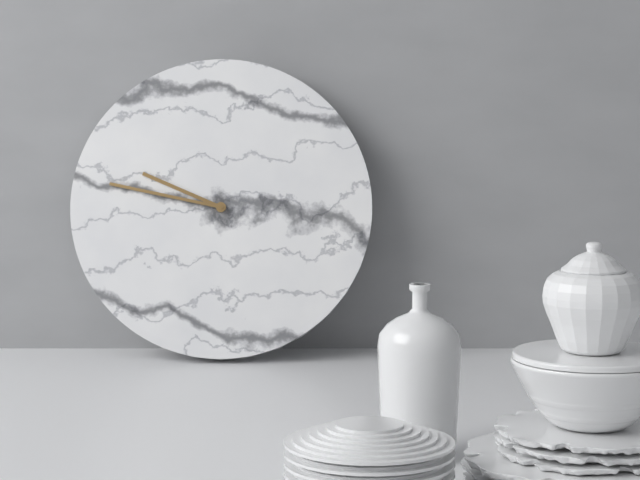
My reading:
9:47
